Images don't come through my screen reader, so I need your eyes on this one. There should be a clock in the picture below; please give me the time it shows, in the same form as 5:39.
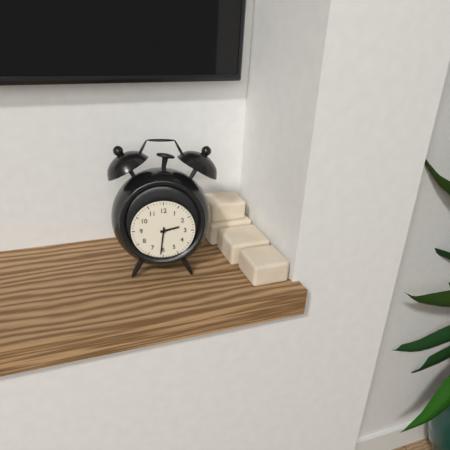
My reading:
2:31
